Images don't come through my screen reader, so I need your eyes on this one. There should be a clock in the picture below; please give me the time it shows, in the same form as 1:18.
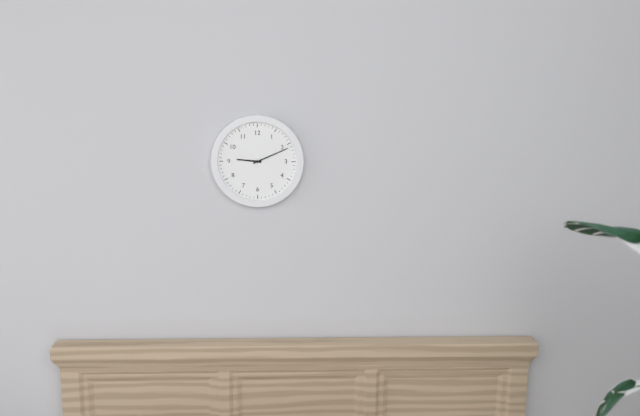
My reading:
9:11
